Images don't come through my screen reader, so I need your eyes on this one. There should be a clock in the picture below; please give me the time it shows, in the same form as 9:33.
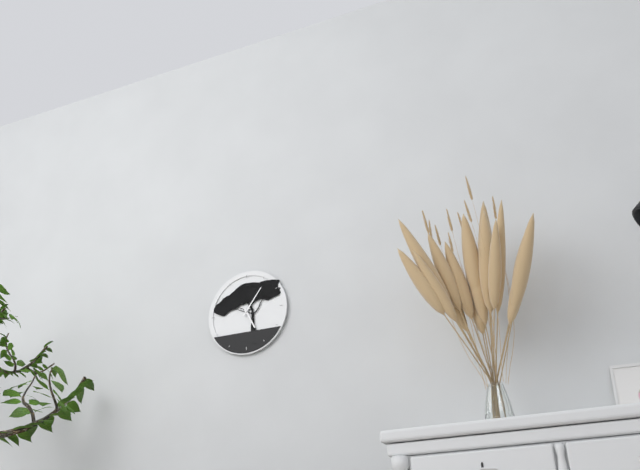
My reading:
5:06
